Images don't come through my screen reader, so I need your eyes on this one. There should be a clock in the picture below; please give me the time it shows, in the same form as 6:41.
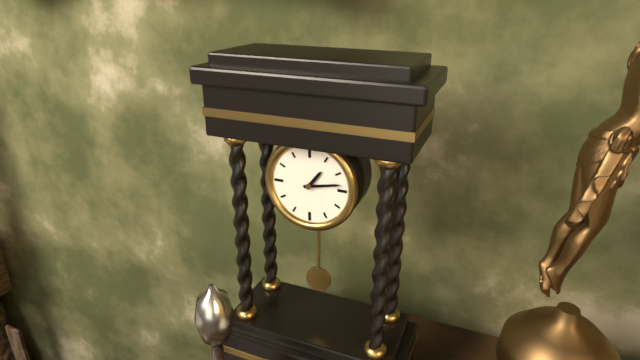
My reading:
1:13
